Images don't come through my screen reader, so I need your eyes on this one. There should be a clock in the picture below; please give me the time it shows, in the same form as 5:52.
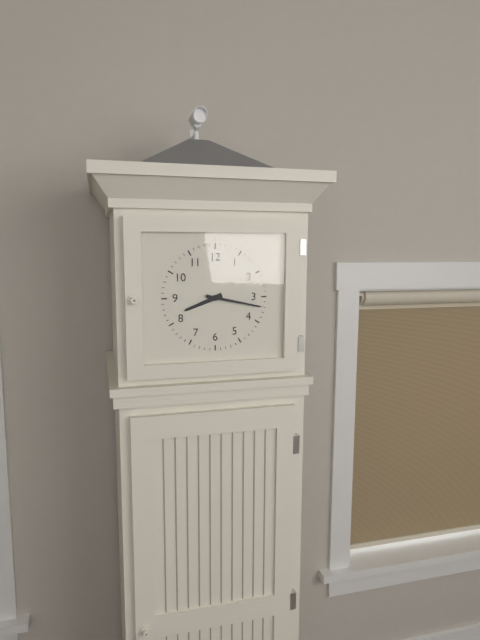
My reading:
8:17
